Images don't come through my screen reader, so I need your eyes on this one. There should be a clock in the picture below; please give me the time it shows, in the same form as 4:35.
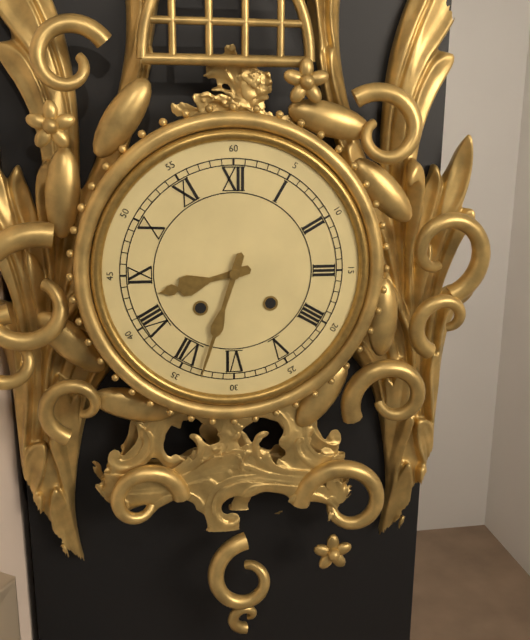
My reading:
8:33
